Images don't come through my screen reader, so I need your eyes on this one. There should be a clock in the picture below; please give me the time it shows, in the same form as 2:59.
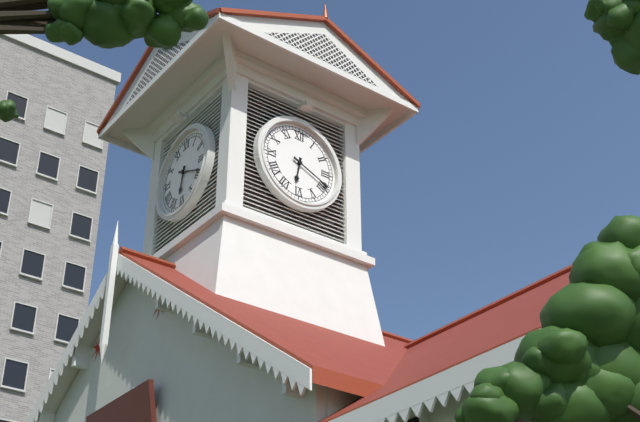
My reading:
6:19
